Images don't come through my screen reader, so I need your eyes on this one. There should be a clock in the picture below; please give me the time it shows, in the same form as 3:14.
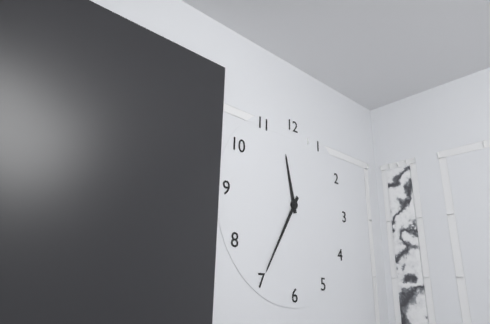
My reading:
11:35
